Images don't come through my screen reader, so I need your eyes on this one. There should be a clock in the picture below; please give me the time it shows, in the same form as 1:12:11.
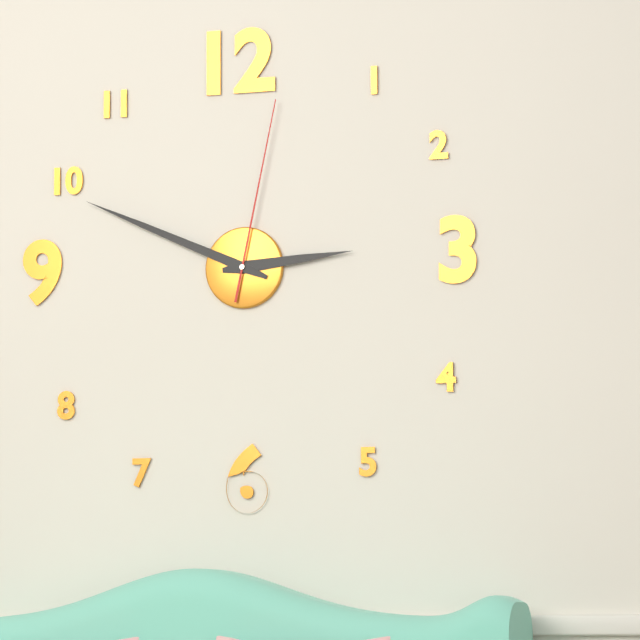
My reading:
2:49:02
